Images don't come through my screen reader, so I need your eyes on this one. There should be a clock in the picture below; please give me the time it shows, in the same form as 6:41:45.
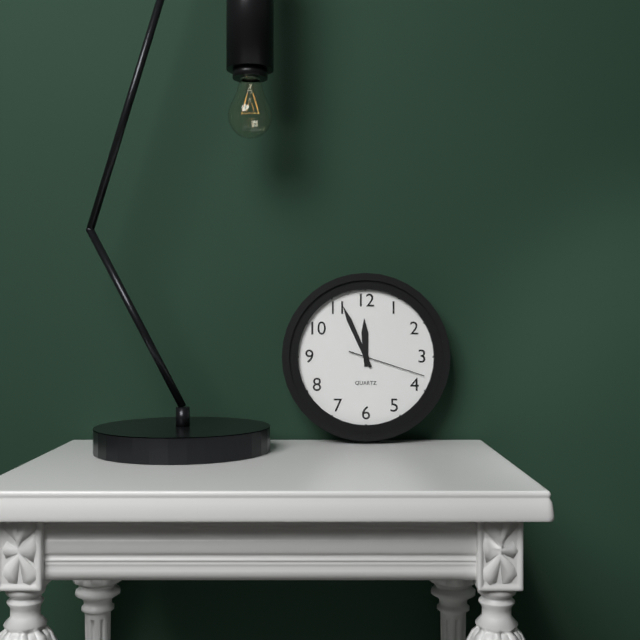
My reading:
11:56:18
